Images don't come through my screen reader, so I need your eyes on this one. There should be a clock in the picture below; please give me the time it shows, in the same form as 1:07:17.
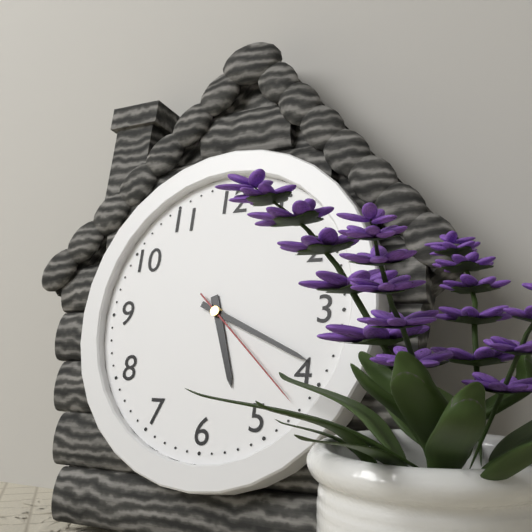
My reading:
5:19:22
